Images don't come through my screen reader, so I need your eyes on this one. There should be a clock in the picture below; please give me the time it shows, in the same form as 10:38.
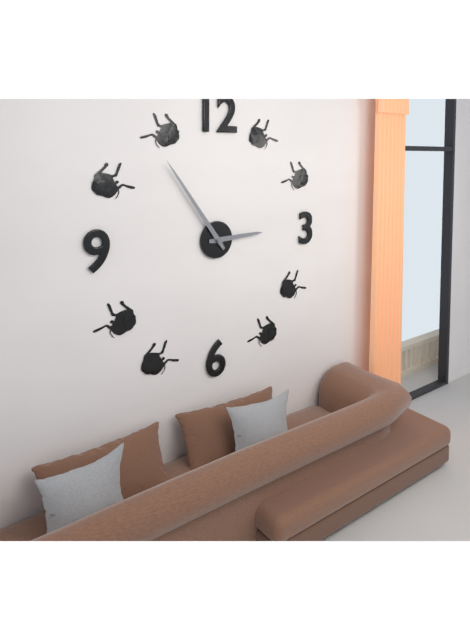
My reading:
2:54
